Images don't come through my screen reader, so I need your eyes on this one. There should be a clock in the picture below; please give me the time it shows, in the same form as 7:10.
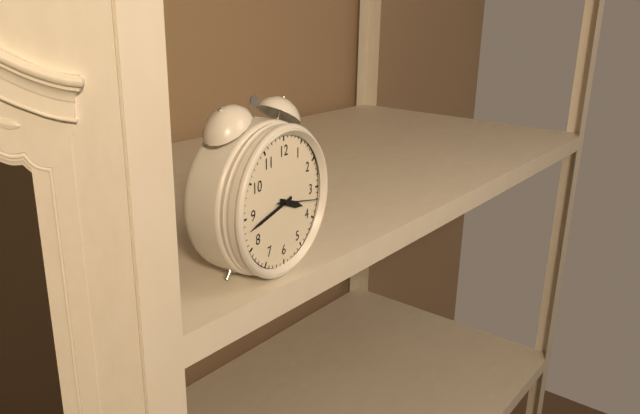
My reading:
3:43
